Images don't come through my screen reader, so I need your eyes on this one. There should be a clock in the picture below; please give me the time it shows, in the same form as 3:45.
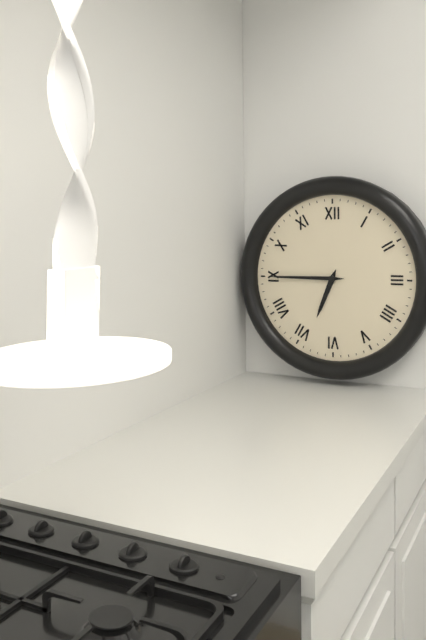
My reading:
6:45
